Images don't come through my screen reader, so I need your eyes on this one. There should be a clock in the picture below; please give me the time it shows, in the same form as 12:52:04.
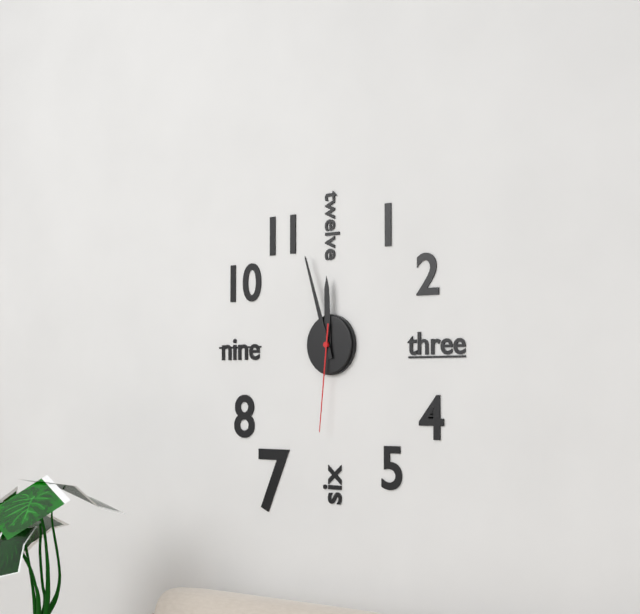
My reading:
11:57:31
